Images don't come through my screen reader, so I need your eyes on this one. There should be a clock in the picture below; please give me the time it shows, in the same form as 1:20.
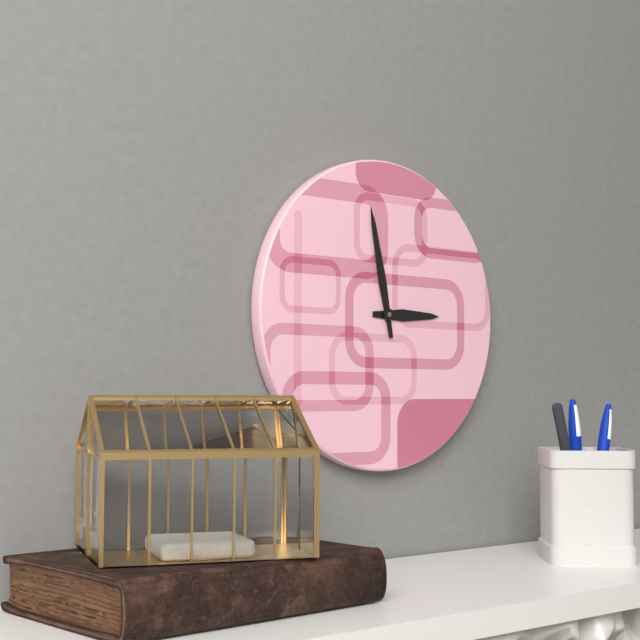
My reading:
2:58
